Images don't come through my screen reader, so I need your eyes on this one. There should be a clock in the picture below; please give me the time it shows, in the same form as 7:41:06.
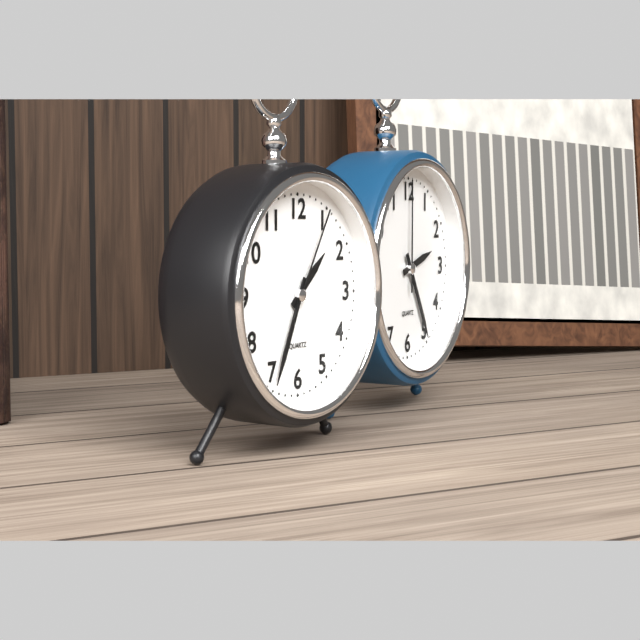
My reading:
1:34:05
